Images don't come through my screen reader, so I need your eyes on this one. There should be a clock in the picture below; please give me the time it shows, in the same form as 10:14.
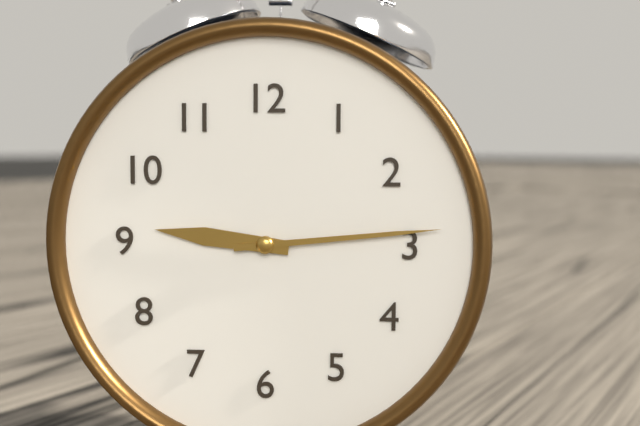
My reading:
9:14
